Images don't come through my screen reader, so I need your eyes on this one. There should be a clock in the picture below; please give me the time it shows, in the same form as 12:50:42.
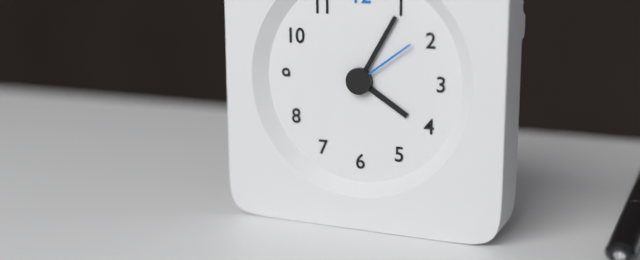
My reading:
4:05:09
